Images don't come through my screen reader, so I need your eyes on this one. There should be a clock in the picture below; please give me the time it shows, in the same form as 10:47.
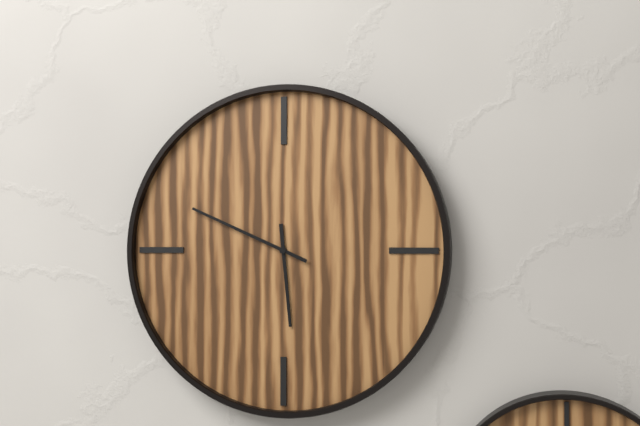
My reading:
5:49
